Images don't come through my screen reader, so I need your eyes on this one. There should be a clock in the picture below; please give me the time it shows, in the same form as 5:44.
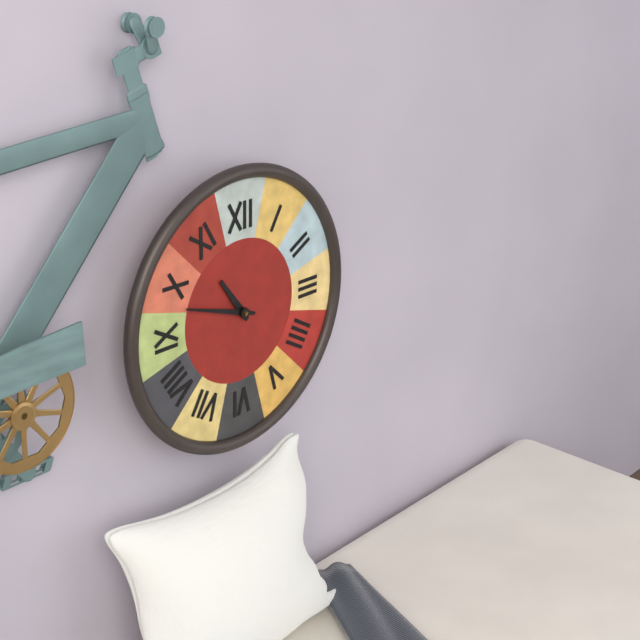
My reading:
10:48
